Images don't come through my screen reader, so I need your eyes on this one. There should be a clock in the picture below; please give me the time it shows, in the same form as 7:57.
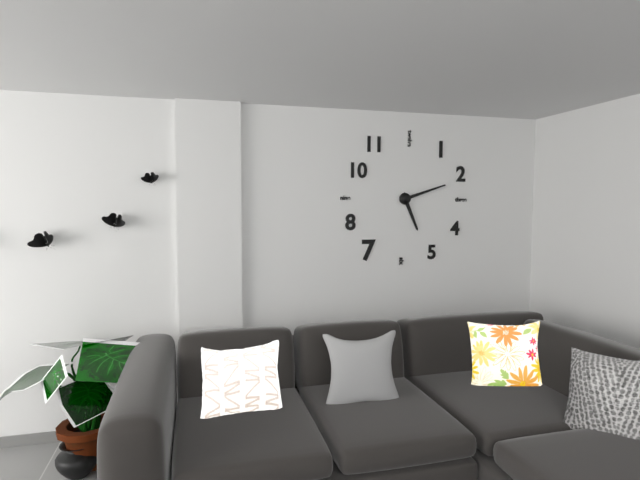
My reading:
5:12
